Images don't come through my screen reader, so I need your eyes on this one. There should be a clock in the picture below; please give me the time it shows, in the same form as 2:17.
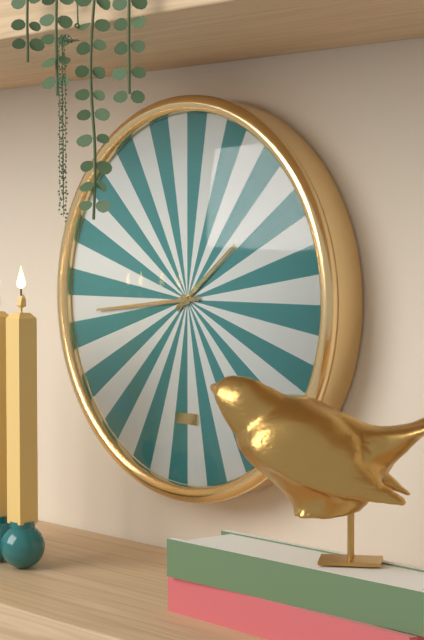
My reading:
1:44
